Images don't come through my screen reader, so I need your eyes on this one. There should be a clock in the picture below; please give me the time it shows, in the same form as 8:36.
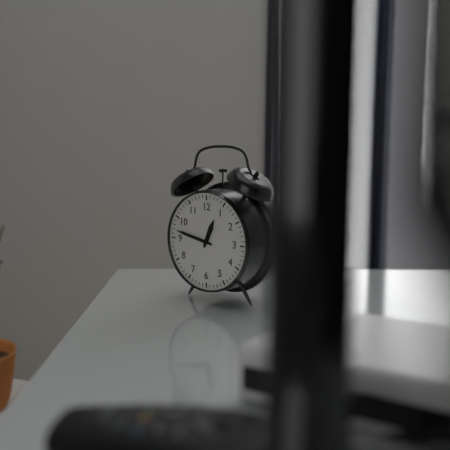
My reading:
12:47
